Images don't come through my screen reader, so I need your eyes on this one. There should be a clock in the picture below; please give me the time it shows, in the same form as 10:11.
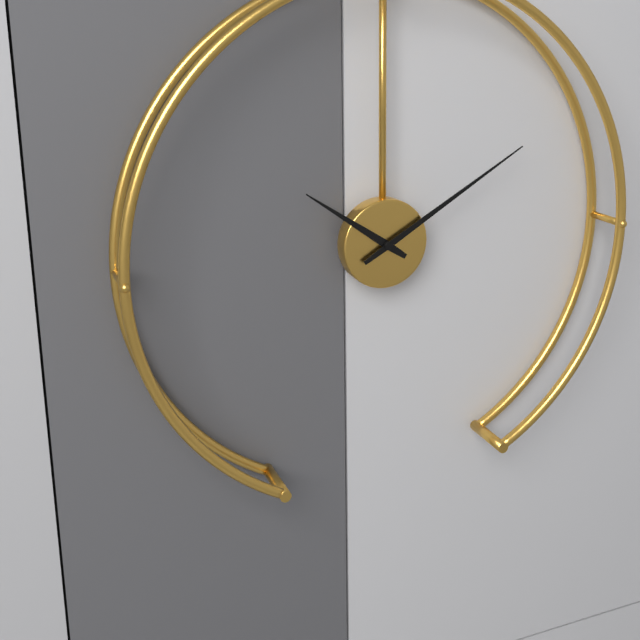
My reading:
10:10
